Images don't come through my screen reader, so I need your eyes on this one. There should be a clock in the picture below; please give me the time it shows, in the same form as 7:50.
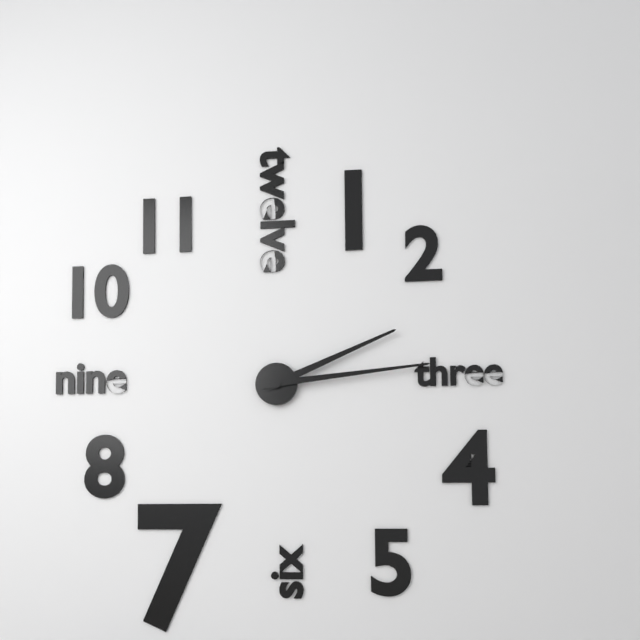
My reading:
2:14
